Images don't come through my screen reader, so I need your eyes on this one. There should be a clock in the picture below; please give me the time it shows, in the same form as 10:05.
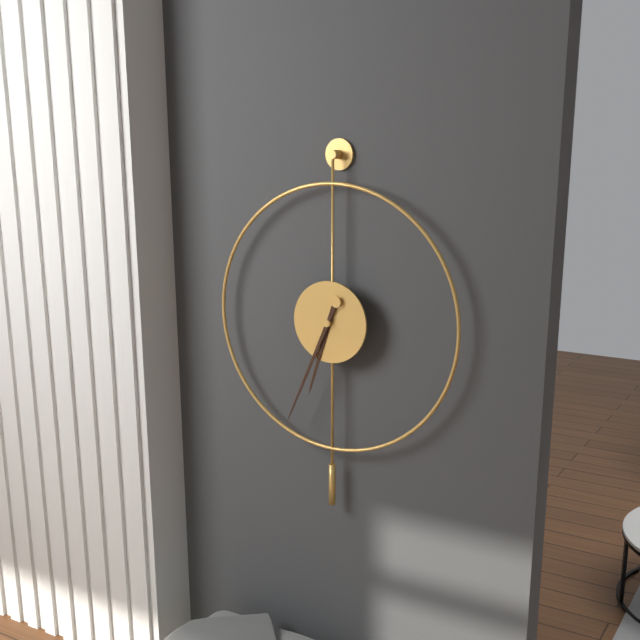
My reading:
6:34
